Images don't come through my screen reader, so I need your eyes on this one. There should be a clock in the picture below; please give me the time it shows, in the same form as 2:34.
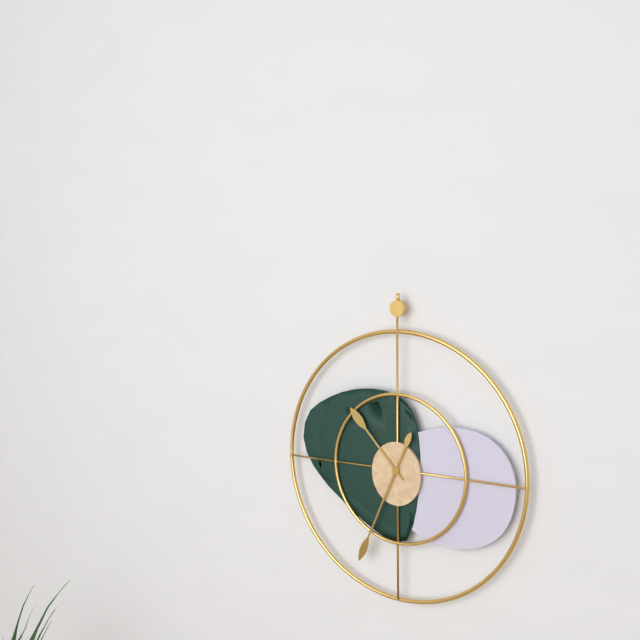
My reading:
10:34
